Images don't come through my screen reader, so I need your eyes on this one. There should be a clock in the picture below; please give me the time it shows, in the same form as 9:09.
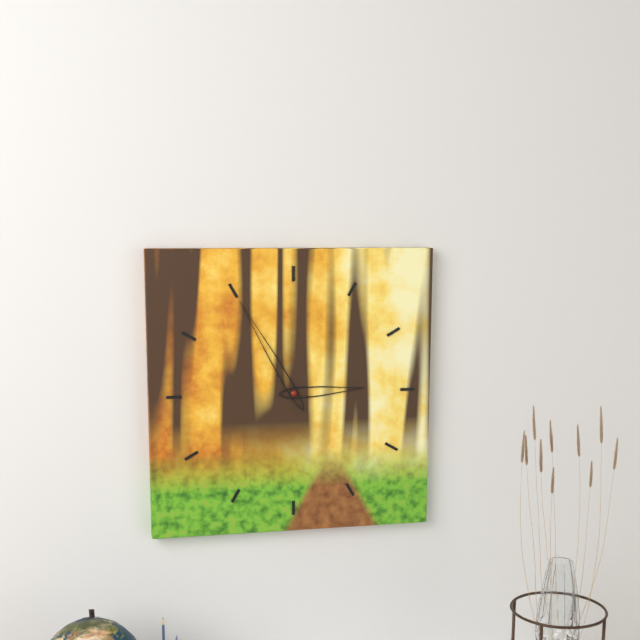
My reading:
2:55
